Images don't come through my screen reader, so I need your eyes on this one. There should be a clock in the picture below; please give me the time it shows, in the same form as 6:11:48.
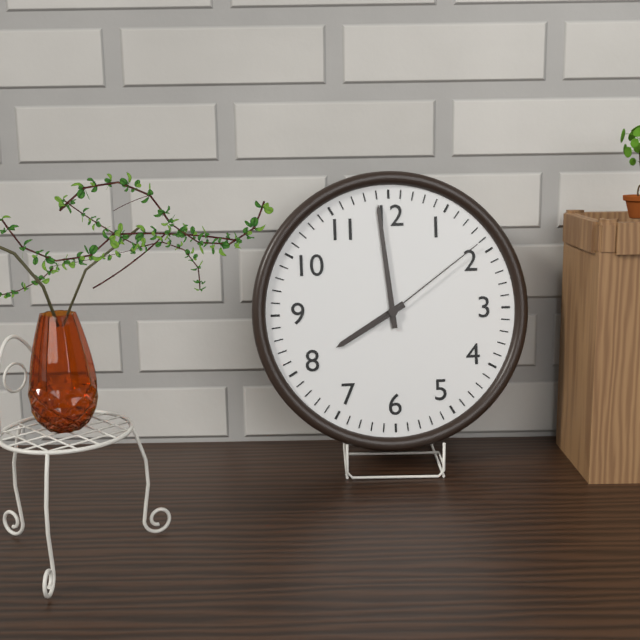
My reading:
7:59:09
